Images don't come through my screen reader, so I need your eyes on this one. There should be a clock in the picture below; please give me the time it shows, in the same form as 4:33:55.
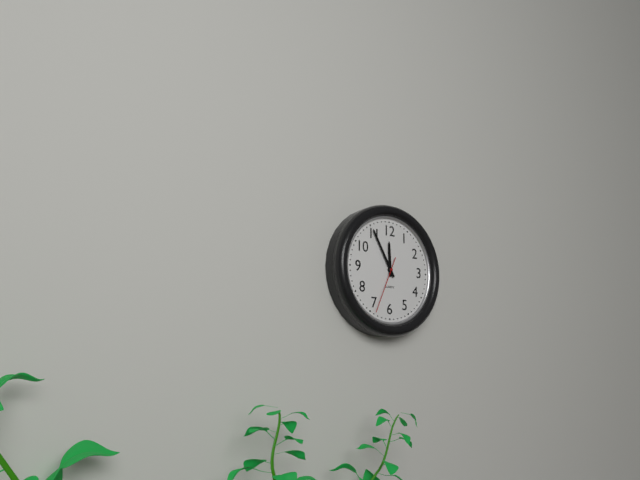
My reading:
11:55:34
